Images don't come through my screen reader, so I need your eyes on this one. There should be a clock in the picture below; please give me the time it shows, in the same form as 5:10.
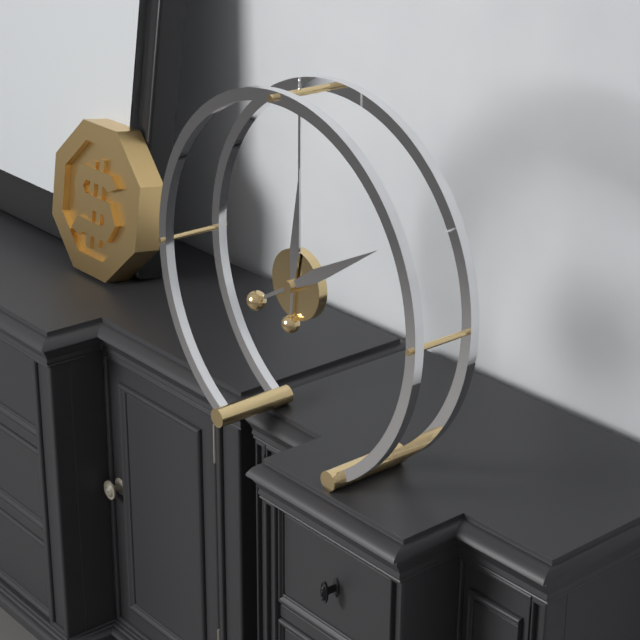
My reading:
12:10
